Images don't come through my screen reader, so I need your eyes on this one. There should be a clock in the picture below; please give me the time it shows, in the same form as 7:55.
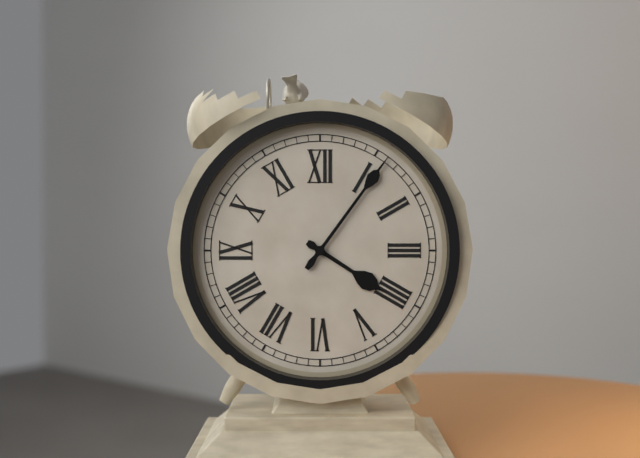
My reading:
4:06
